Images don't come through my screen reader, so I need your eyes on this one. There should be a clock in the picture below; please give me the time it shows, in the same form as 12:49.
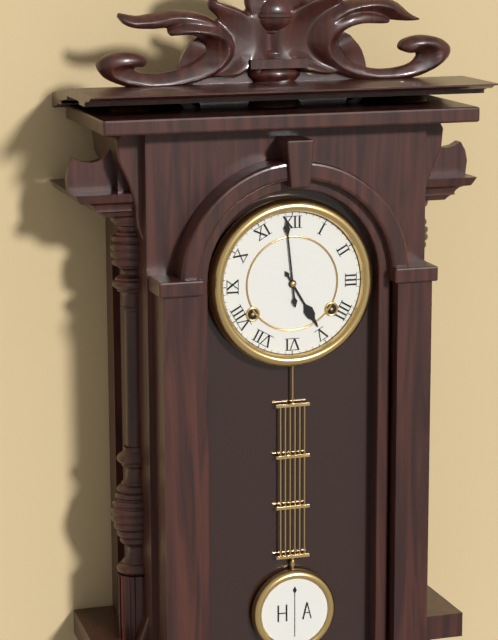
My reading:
4:59
